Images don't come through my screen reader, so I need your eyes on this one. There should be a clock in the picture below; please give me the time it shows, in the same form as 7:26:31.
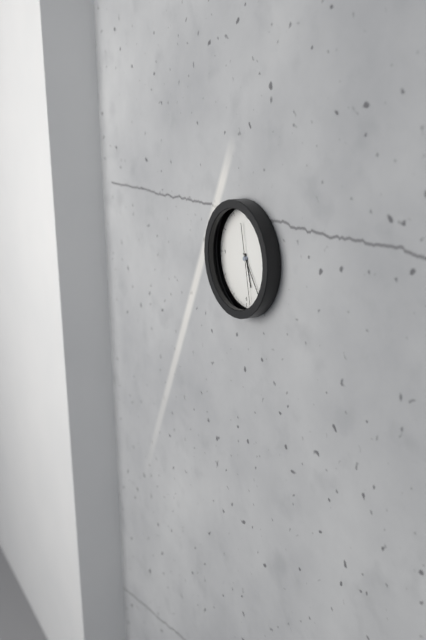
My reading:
5:24:28
